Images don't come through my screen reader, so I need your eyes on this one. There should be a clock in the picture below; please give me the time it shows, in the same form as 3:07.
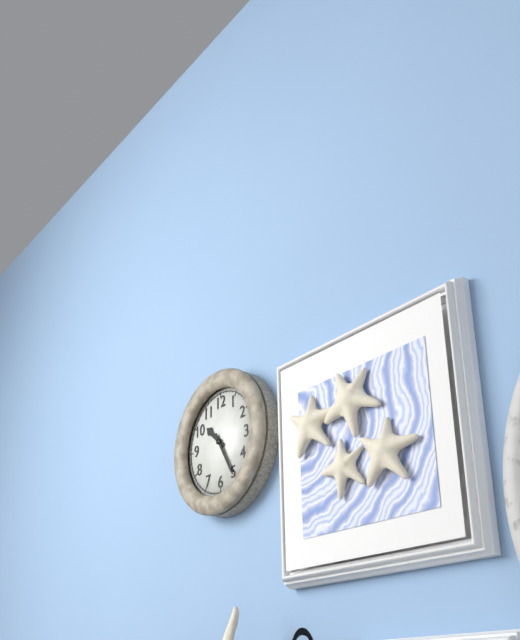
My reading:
10:25
